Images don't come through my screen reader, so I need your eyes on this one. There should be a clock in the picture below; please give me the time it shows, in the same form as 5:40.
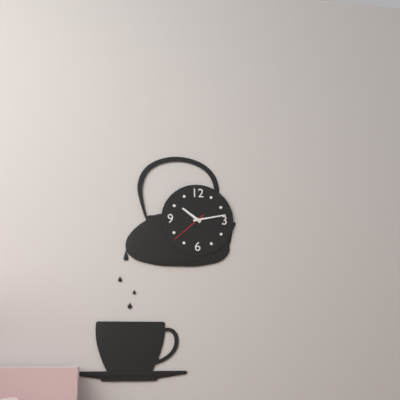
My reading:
10:13
